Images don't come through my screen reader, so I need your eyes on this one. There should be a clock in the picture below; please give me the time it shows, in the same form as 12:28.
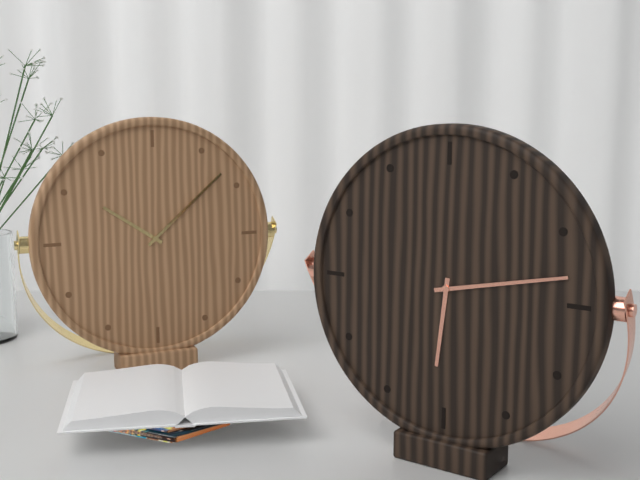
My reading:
6:13
